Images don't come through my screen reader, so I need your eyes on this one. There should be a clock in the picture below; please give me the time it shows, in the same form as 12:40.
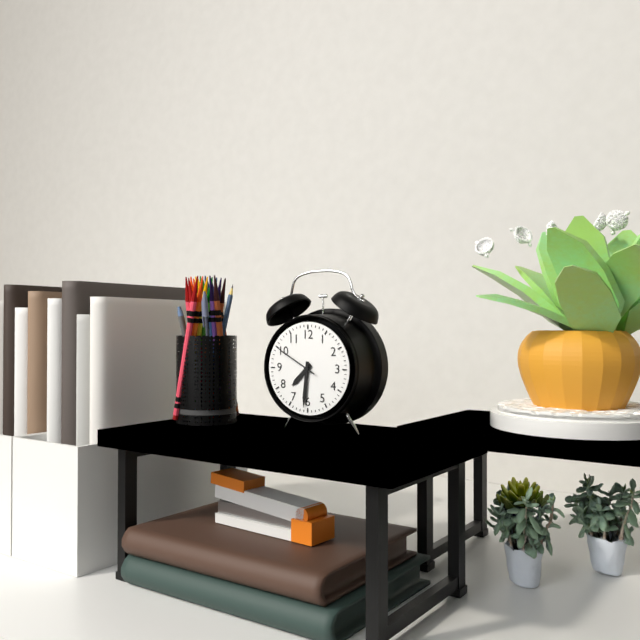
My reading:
7:31
